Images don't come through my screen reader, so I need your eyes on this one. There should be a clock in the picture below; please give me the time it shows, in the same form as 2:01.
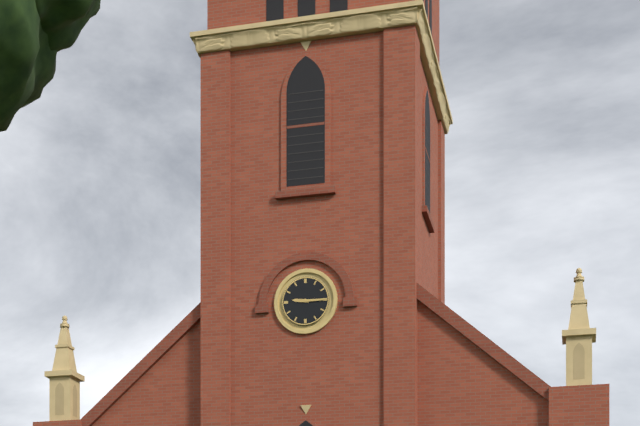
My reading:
9:15
